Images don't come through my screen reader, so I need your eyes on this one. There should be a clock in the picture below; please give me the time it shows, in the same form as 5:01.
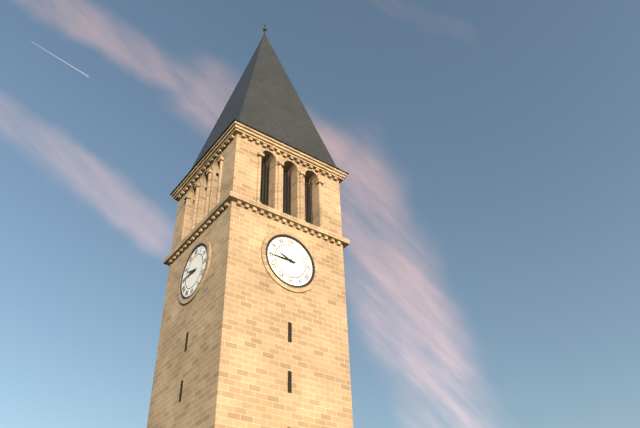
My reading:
9:45
